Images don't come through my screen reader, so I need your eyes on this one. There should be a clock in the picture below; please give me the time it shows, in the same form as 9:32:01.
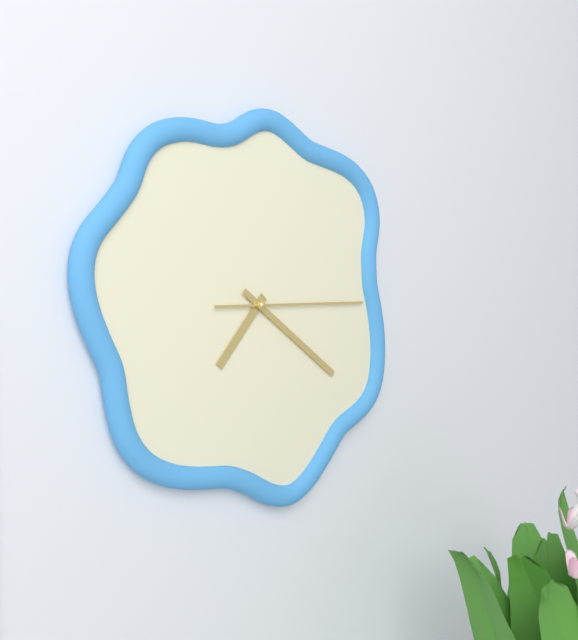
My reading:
7:21:15
